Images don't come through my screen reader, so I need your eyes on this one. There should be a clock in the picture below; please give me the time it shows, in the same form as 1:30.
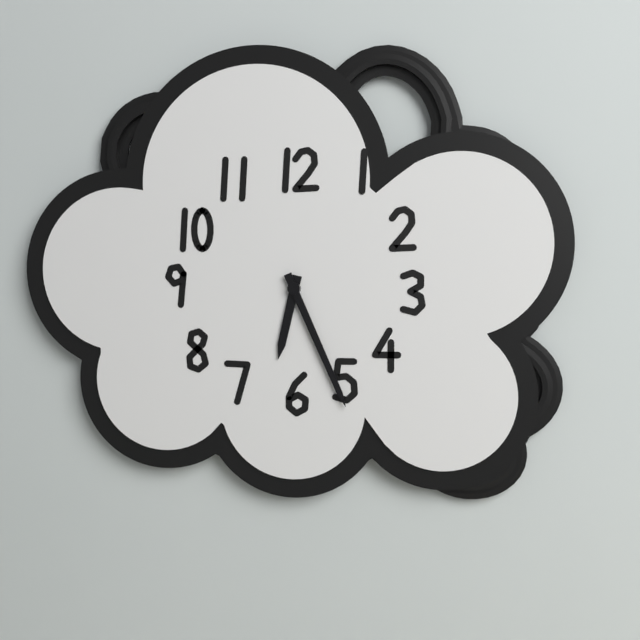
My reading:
6:26
